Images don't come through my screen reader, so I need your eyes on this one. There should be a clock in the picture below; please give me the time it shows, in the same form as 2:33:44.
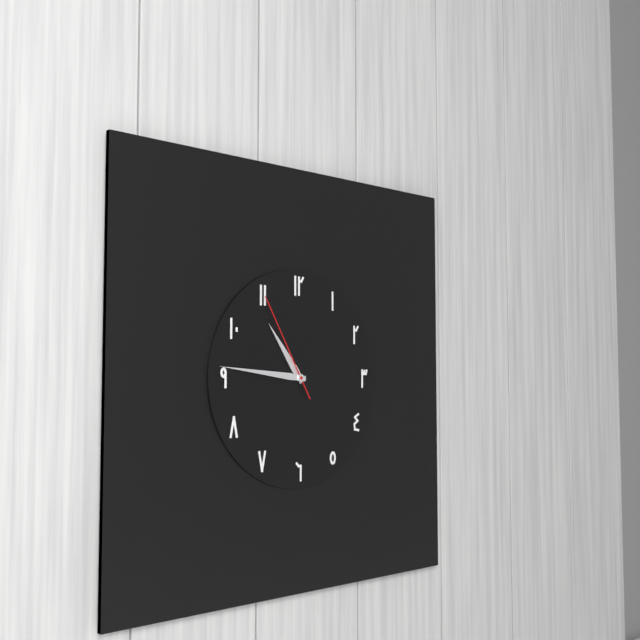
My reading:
10:46:55
